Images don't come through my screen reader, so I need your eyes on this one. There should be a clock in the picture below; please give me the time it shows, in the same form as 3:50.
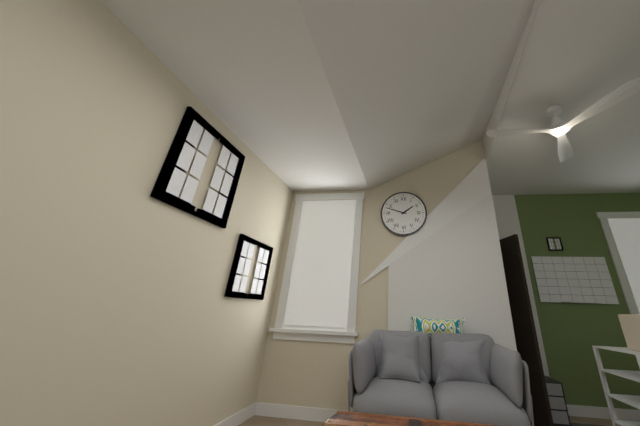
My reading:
1:48
